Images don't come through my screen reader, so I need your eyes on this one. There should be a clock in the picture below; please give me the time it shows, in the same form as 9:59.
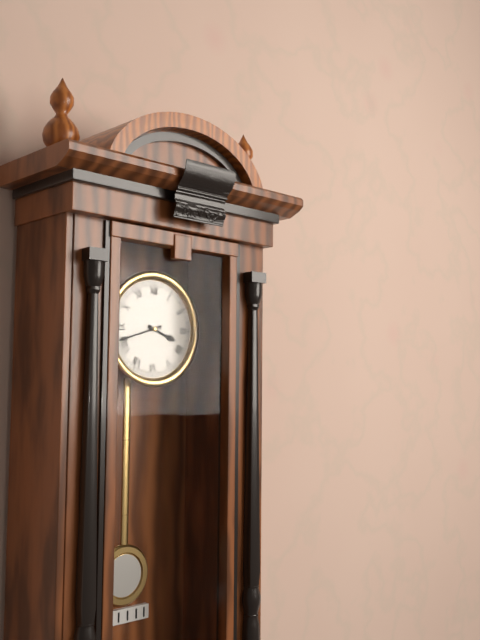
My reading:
3:42
